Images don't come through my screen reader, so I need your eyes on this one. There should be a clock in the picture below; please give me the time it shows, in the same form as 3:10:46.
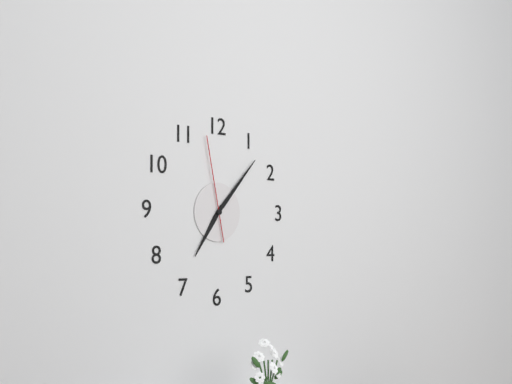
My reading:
7:07:58
